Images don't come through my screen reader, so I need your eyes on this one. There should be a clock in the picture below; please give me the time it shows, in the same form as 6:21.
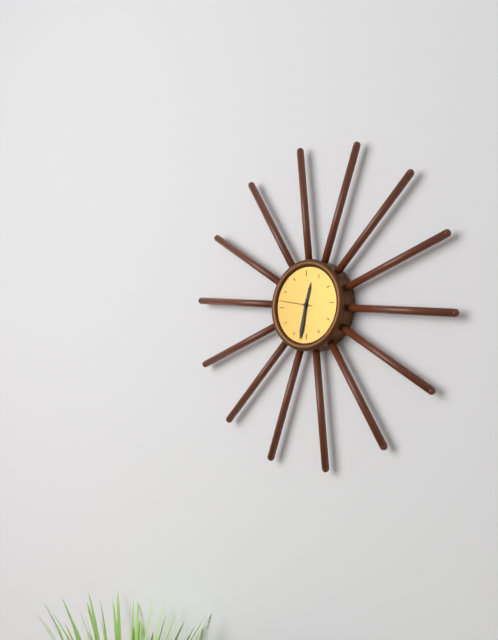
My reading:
12:32
